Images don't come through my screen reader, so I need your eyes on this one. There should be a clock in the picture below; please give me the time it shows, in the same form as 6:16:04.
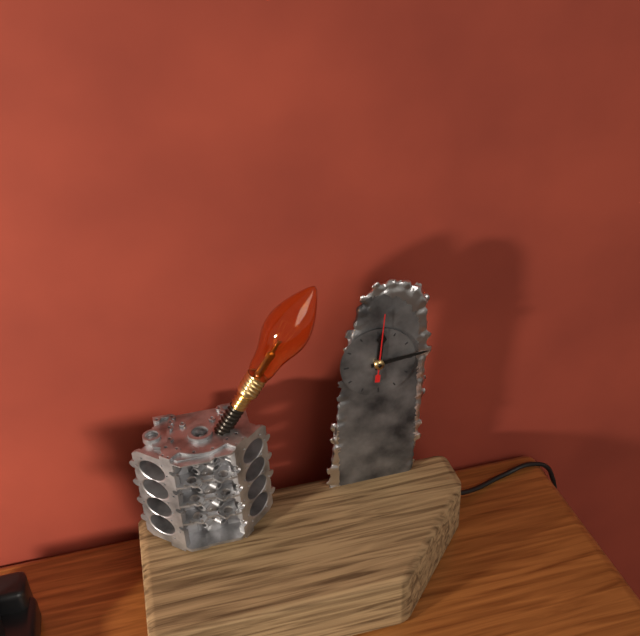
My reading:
12:14:01
